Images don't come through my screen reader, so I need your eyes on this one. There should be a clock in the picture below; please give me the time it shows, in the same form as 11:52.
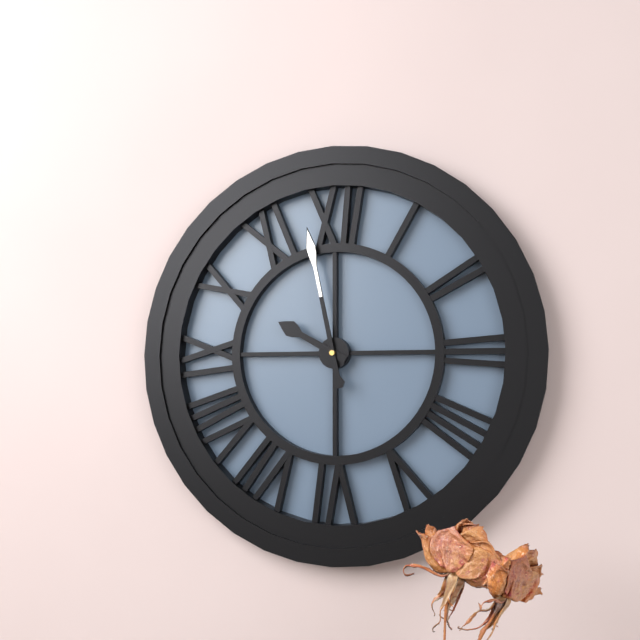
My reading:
9:58
